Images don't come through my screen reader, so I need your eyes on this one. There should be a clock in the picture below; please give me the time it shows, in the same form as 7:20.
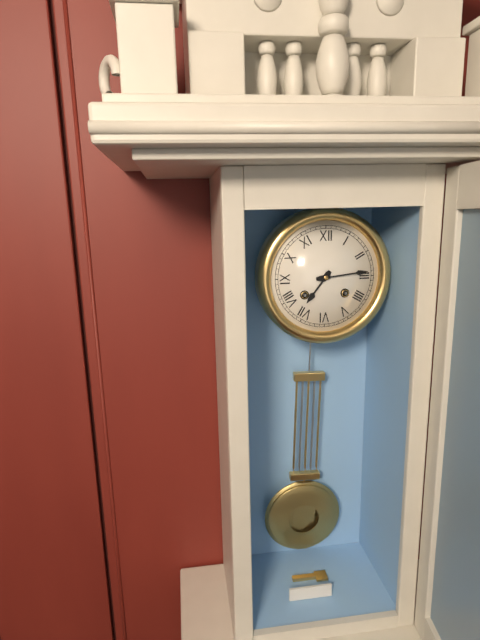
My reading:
7:14
